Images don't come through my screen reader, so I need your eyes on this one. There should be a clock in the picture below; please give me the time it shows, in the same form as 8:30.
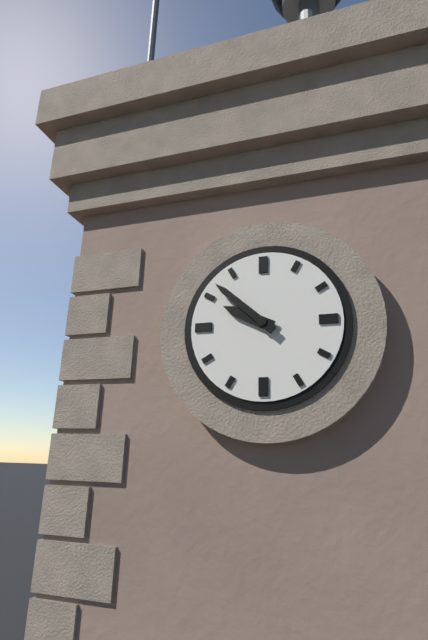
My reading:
9:52
